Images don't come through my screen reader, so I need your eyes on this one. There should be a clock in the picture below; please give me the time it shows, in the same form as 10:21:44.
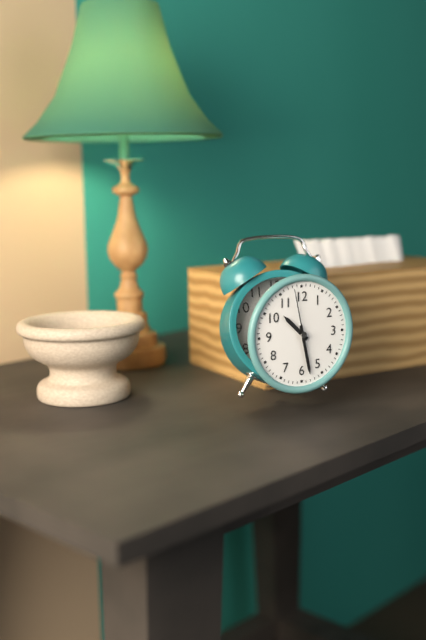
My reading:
10:28:58
